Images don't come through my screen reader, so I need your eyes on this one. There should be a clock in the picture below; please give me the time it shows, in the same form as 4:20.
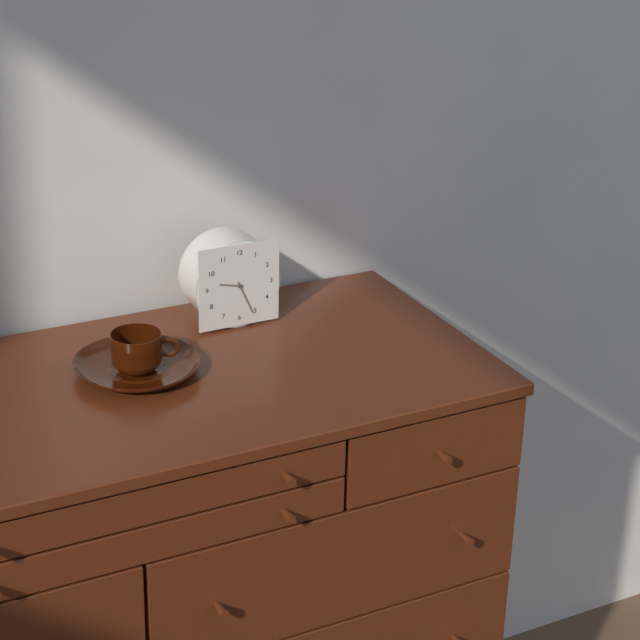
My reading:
9:26
